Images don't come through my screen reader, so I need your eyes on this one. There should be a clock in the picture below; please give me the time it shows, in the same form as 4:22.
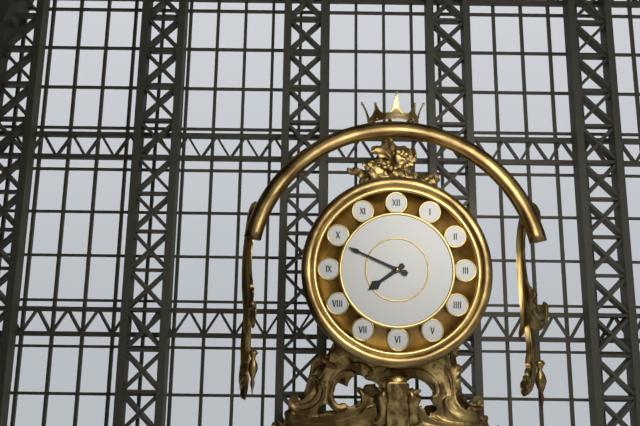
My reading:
7:49
